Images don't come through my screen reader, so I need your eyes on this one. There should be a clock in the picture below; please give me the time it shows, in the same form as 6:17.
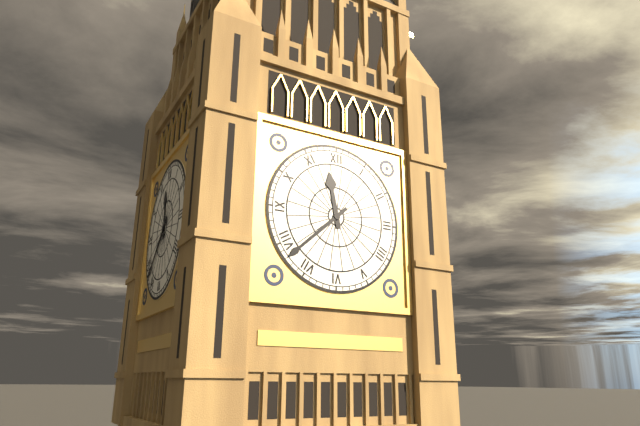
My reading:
11:38
